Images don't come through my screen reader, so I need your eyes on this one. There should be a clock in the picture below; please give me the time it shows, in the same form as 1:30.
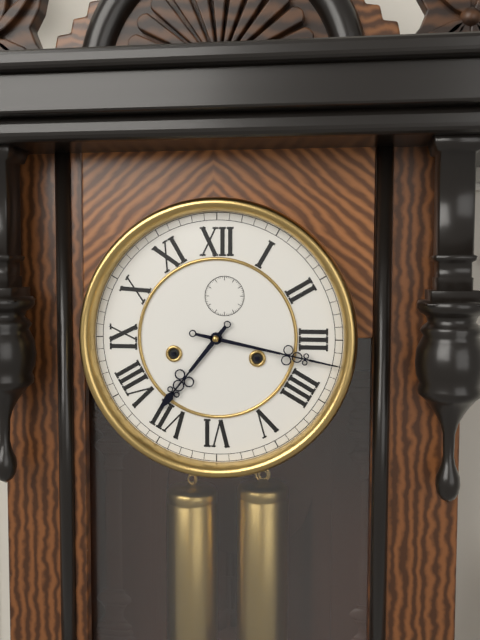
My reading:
7:17
